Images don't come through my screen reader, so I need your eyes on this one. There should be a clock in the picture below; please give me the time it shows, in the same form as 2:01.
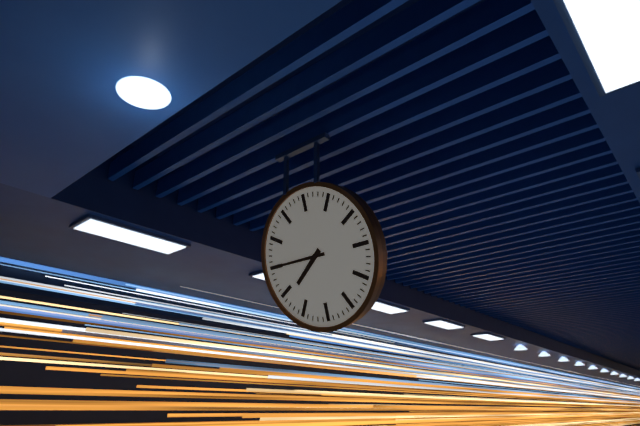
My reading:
7:45
